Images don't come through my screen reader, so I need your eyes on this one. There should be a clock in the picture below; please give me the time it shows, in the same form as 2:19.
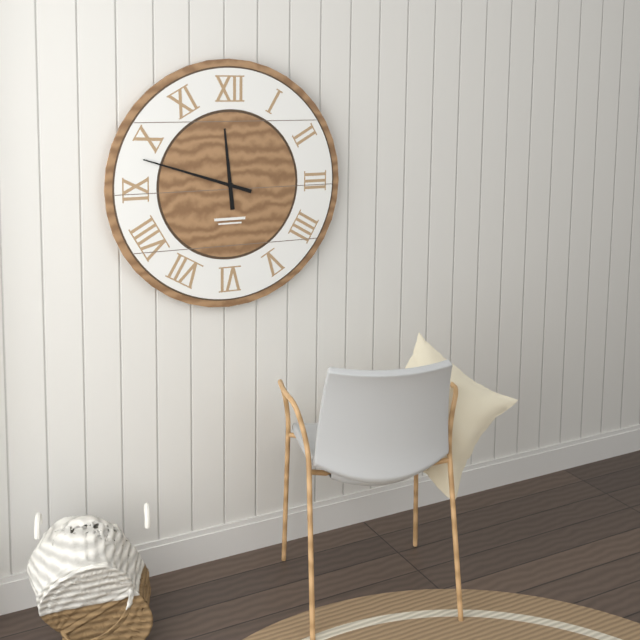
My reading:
11:48
